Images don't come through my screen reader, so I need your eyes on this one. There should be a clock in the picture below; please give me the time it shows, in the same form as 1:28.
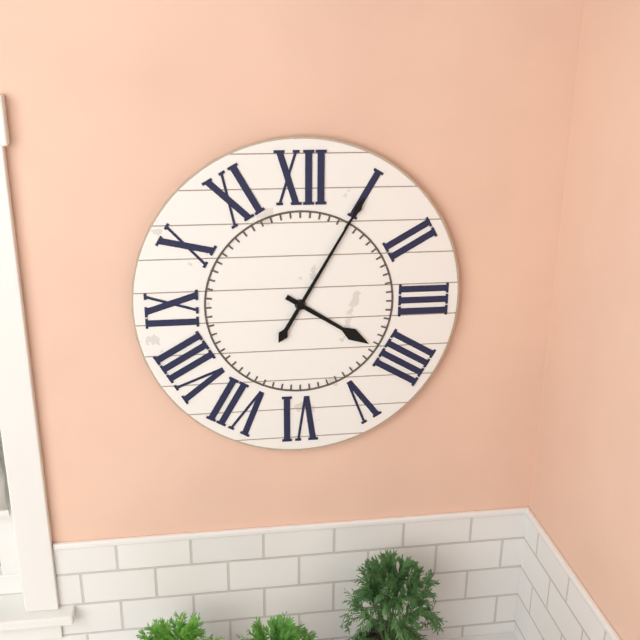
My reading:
4:05
